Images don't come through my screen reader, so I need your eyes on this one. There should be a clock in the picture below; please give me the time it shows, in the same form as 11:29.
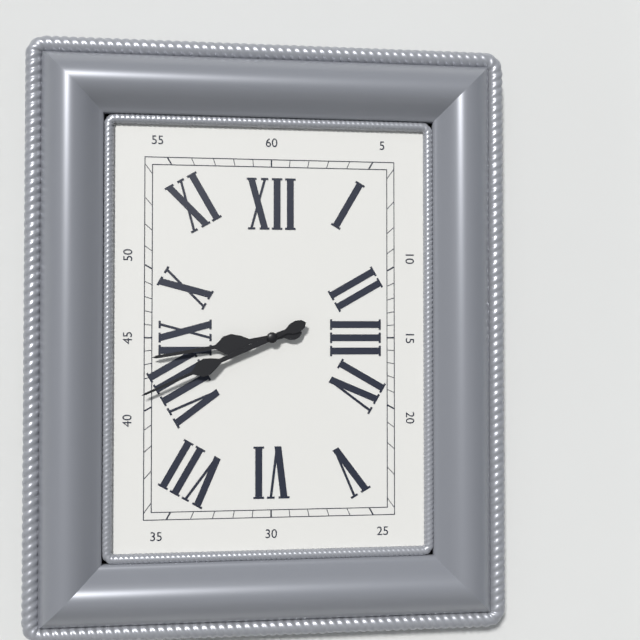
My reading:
8:41
